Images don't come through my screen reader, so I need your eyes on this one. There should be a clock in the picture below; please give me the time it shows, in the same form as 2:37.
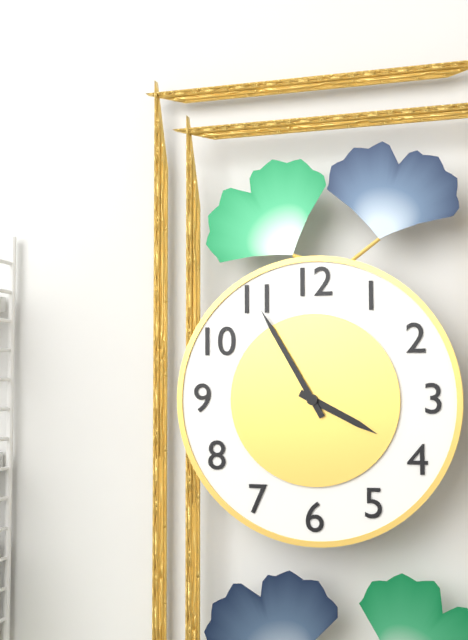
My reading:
3:55
